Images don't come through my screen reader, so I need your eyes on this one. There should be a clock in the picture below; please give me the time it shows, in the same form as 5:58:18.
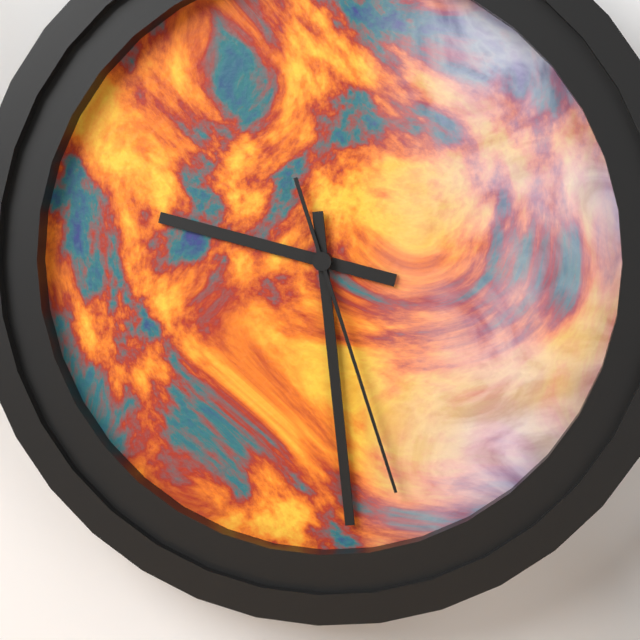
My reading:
9:29:27
